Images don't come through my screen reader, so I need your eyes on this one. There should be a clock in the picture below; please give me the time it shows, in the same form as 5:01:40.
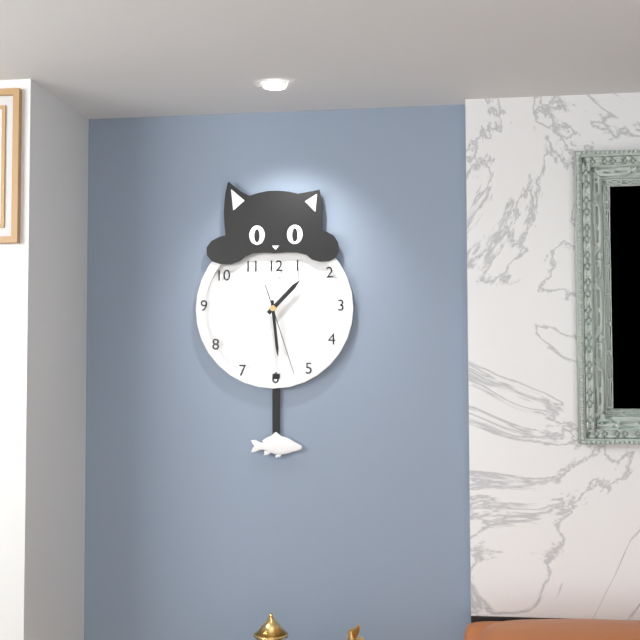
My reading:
1:29:27
